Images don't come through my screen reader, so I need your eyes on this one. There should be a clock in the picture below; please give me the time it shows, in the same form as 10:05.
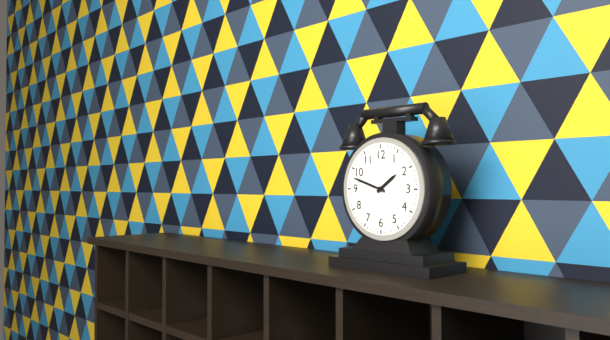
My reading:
1:48
